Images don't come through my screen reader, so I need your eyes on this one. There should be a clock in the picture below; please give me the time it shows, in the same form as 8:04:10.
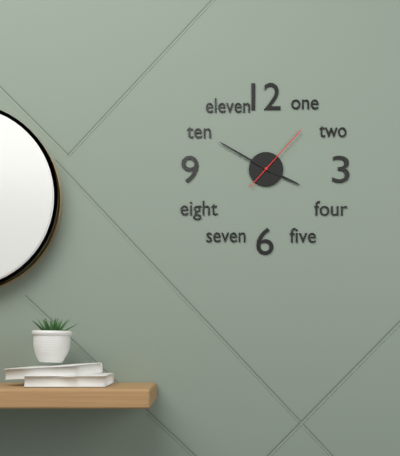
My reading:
3:50:07
